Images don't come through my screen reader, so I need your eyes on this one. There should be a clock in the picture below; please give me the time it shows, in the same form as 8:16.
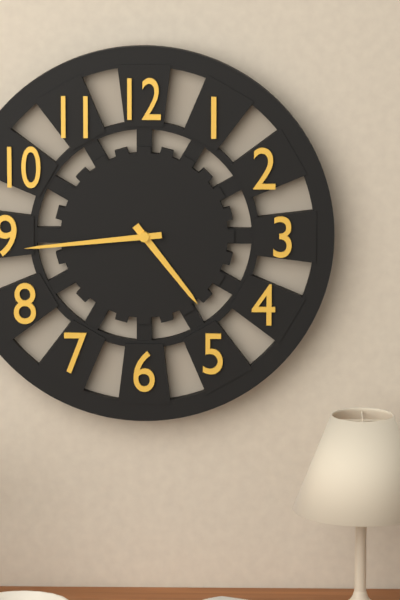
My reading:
4:44
